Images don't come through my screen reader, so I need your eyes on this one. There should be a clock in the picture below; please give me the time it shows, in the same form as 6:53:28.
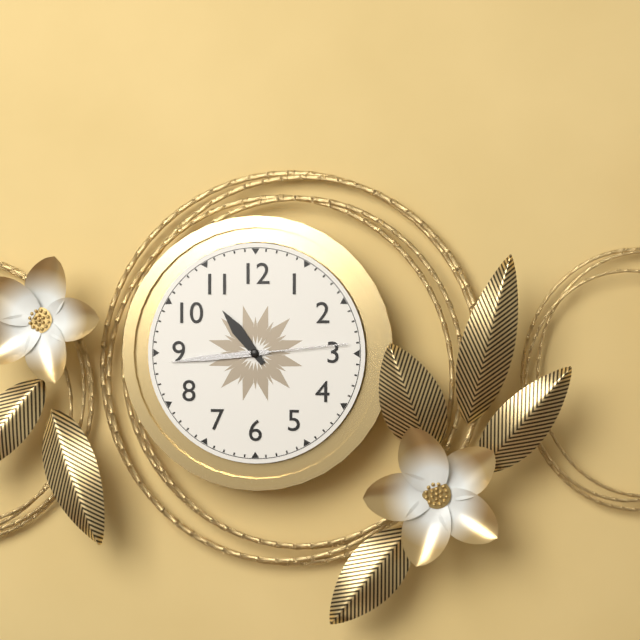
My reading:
10:44:14
